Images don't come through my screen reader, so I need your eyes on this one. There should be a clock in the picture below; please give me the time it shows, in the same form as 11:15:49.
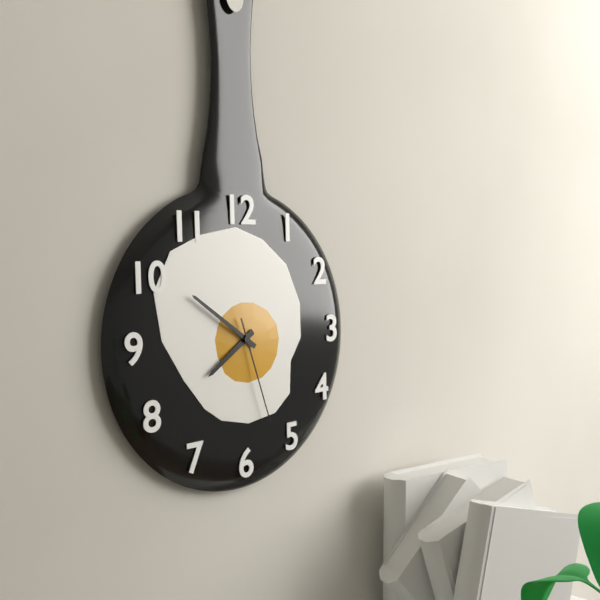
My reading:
7:51:27
